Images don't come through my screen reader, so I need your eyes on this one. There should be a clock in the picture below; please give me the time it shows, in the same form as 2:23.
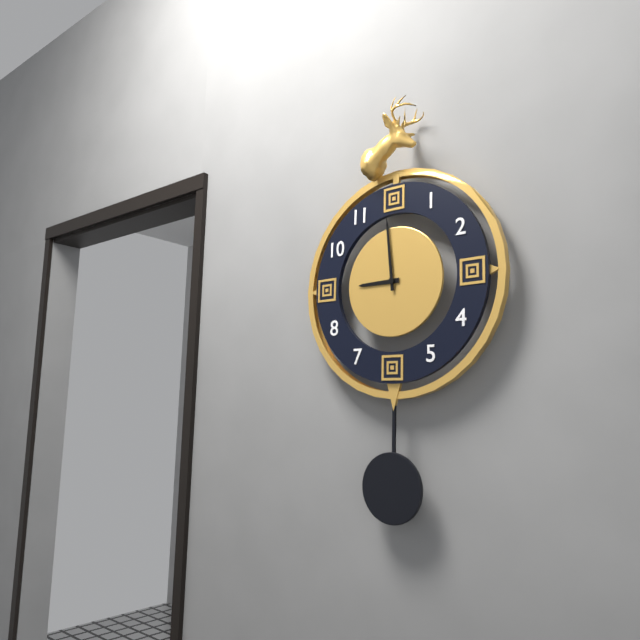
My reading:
8:59
